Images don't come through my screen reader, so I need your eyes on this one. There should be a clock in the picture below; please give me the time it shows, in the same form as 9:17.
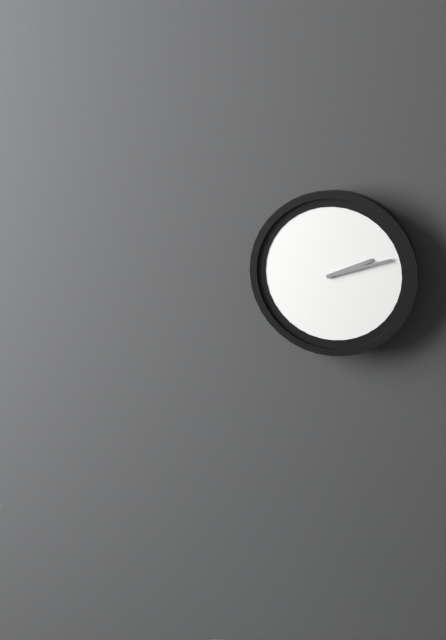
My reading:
2:12
